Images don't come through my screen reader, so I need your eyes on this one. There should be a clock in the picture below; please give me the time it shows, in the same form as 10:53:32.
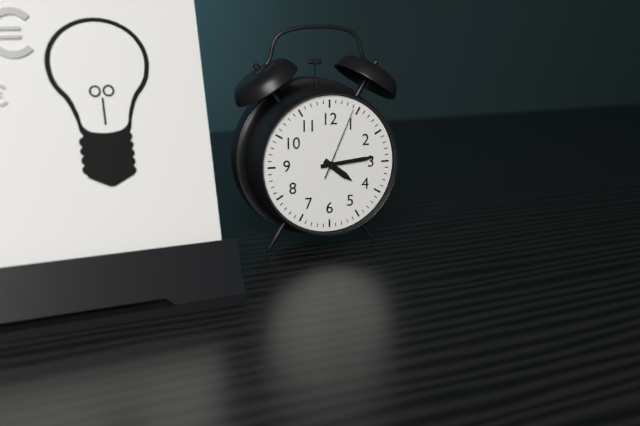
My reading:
4:14:04
